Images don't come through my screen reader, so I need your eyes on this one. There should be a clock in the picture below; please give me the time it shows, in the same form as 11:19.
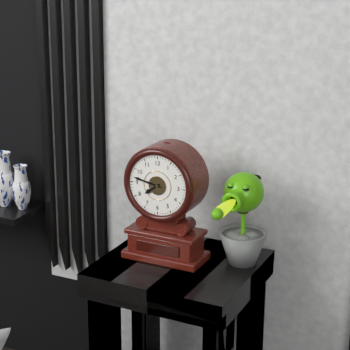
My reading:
7:47
